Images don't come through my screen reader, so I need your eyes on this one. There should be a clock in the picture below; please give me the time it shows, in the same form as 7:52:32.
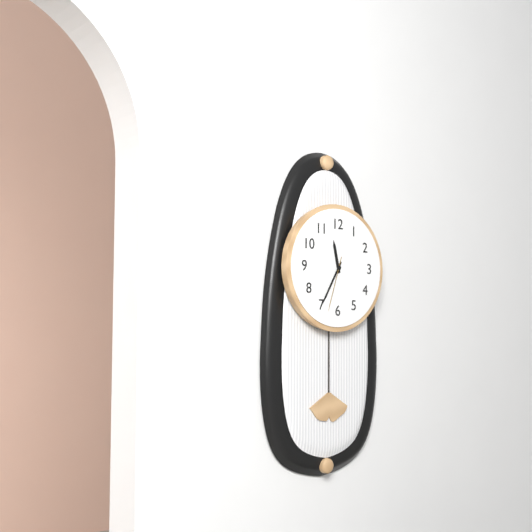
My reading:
11:35:33
